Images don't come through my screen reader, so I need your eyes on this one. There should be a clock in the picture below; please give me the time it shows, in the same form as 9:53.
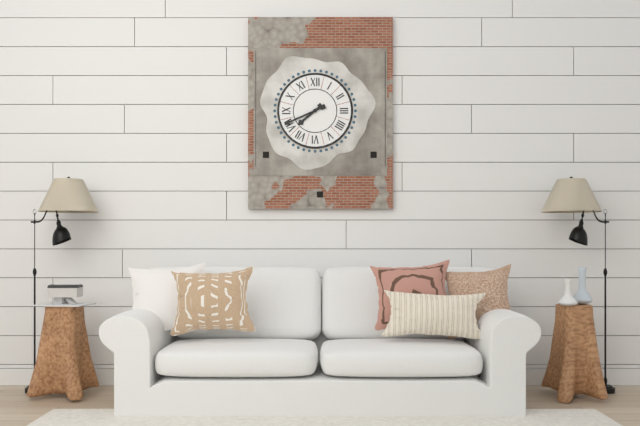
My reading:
7:41
